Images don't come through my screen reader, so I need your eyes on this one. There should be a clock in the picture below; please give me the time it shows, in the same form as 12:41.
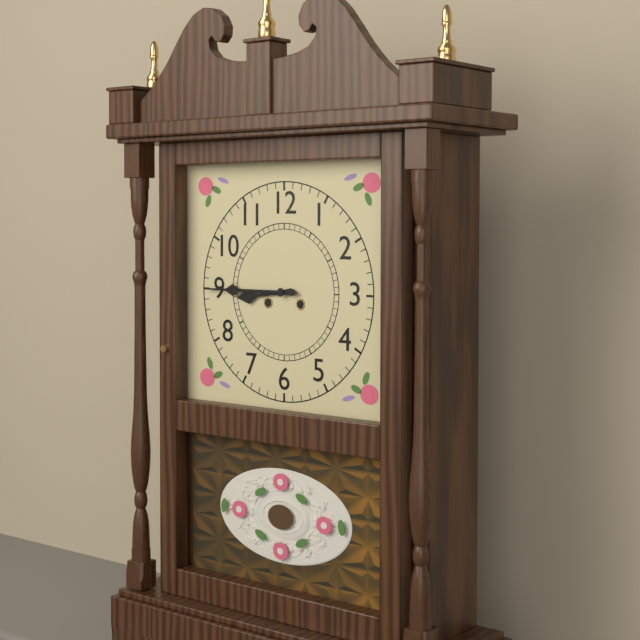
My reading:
8:45
